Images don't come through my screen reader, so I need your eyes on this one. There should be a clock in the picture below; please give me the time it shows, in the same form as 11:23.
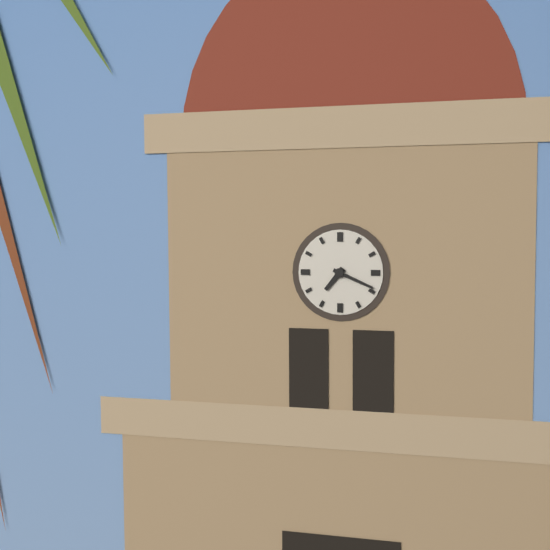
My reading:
7:19
